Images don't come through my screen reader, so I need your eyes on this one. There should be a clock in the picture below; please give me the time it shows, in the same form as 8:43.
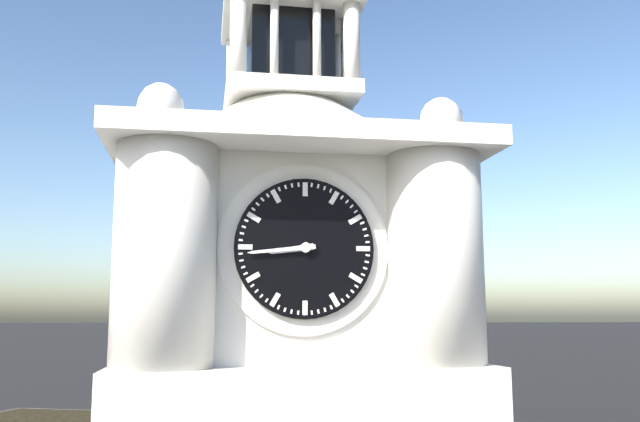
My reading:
8:44
